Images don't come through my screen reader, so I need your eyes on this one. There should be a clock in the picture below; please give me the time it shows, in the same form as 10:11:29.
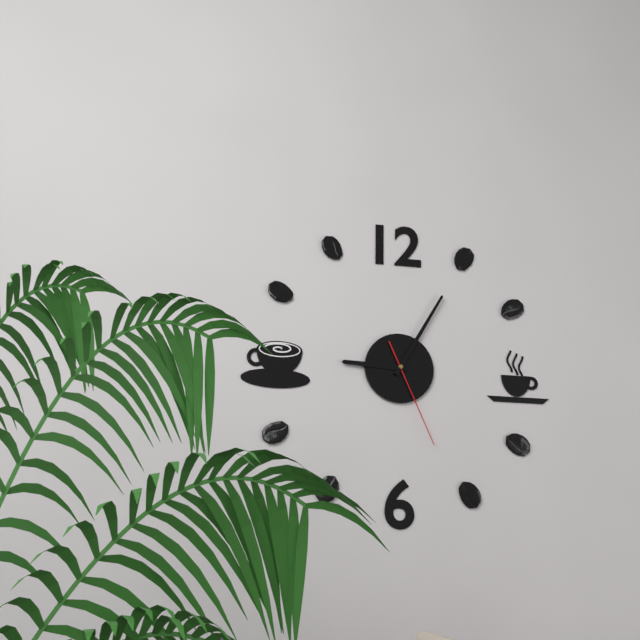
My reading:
9:05:26
